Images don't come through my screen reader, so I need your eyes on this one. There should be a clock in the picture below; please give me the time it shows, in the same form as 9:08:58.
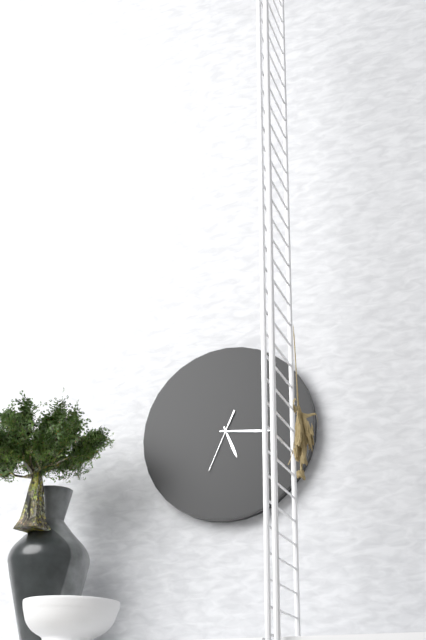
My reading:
5:16:34
